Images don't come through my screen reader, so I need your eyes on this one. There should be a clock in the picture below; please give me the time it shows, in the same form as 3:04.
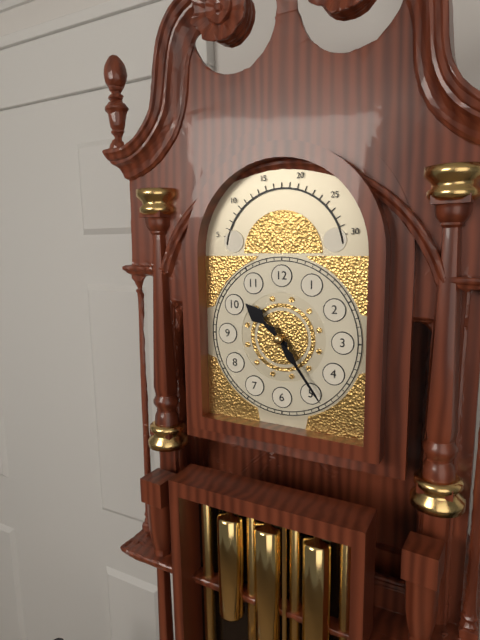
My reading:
10:24
